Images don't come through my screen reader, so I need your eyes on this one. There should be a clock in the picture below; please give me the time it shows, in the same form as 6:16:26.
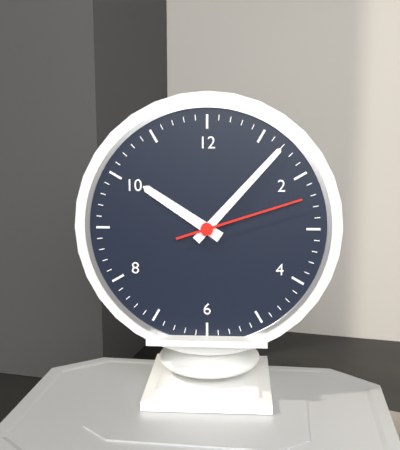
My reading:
10:07:12
